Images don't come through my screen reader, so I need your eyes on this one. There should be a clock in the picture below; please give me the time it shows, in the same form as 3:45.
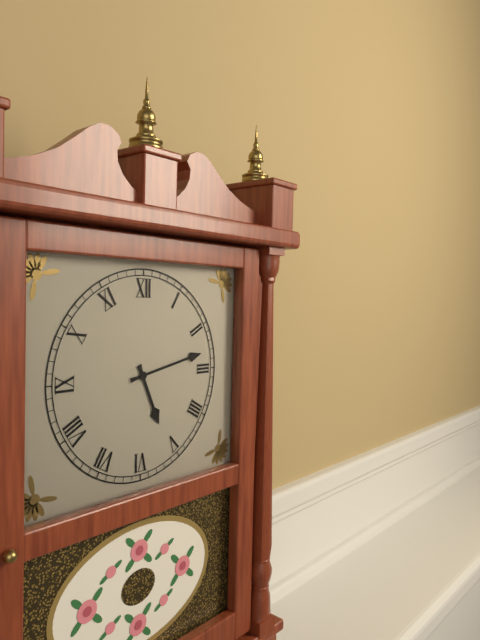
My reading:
5:13
